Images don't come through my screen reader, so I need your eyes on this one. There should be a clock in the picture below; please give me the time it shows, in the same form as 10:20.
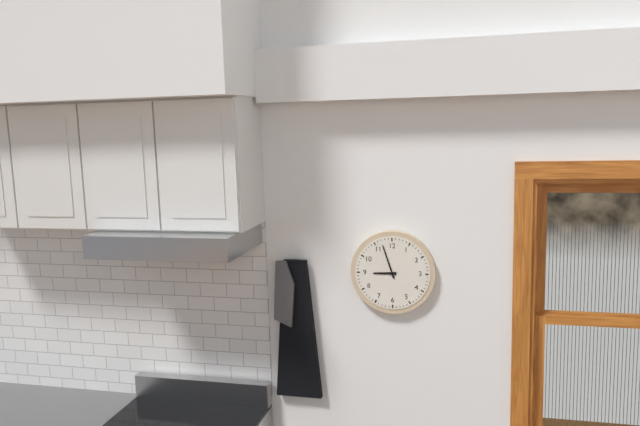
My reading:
8:57
